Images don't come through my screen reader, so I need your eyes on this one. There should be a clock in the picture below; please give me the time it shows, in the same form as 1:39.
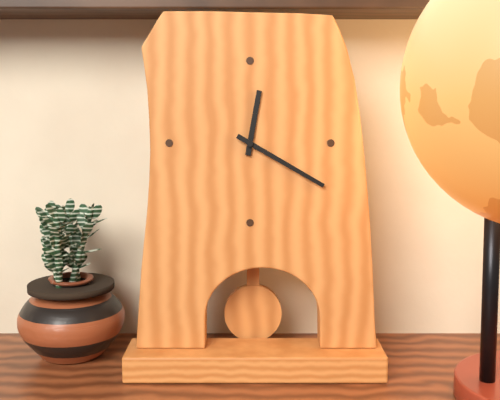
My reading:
12:20
